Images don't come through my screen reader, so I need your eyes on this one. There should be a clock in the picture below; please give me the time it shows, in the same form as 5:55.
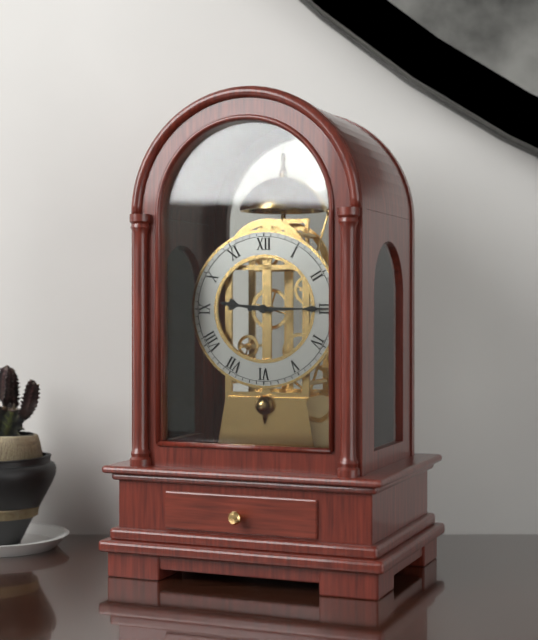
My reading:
9:15
